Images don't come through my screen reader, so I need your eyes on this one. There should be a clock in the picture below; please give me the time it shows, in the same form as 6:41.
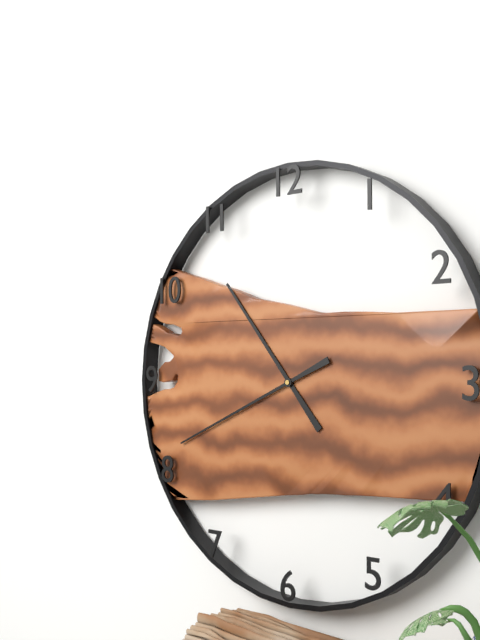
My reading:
10:41
